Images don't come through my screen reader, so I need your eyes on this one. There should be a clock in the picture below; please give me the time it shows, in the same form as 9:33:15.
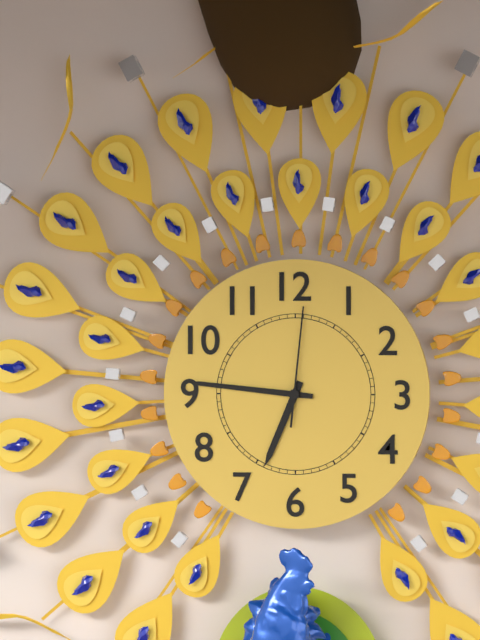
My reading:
6:46:01
